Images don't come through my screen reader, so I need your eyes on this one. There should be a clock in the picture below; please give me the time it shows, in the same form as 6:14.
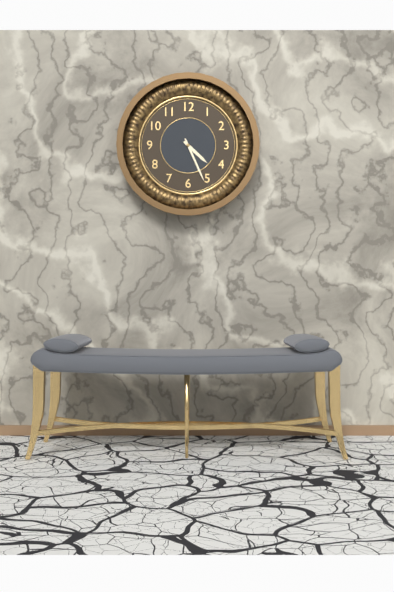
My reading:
4:26
